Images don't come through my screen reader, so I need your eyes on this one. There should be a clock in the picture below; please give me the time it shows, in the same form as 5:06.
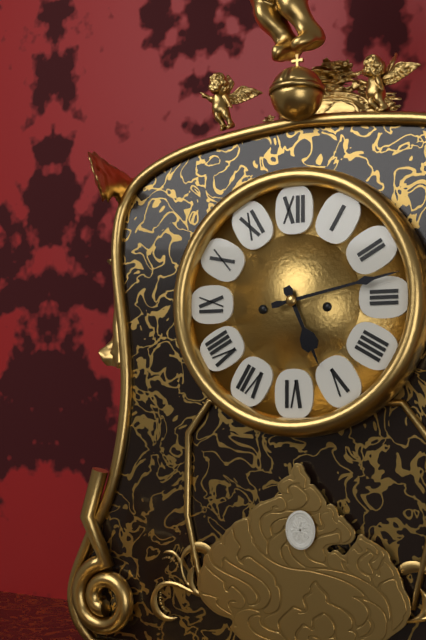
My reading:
5:13
